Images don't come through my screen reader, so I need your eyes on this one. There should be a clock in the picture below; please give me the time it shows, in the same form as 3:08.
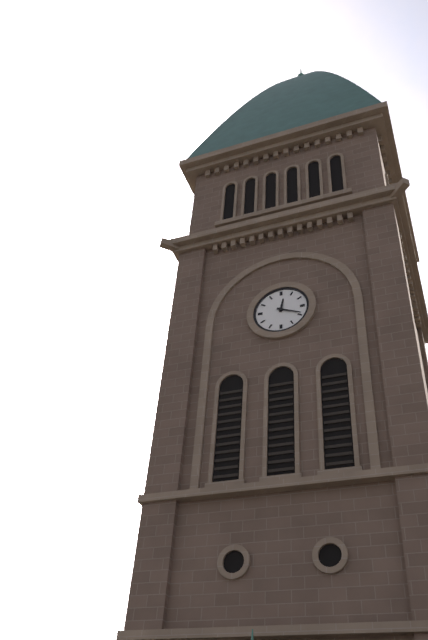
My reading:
12:19
